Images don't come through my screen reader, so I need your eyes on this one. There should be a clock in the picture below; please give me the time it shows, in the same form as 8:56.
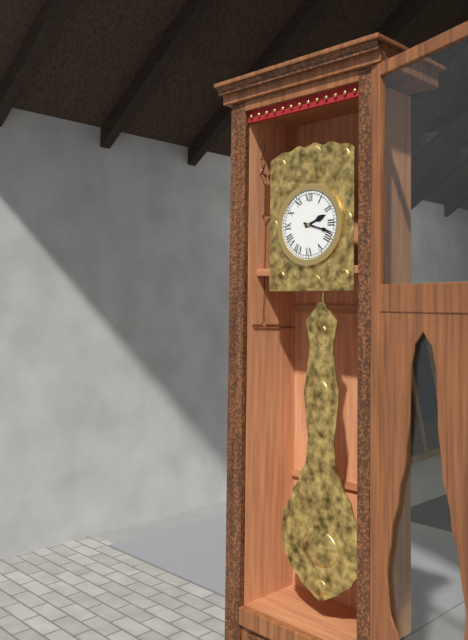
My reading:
2:18
